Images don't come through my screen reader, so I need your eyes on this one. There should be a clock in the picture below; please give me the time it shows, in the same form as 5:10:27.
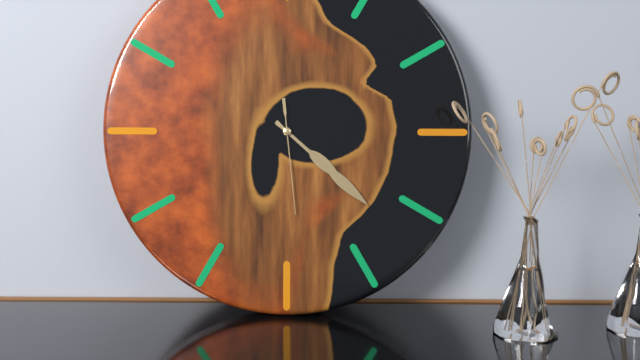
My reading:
4:22:29
